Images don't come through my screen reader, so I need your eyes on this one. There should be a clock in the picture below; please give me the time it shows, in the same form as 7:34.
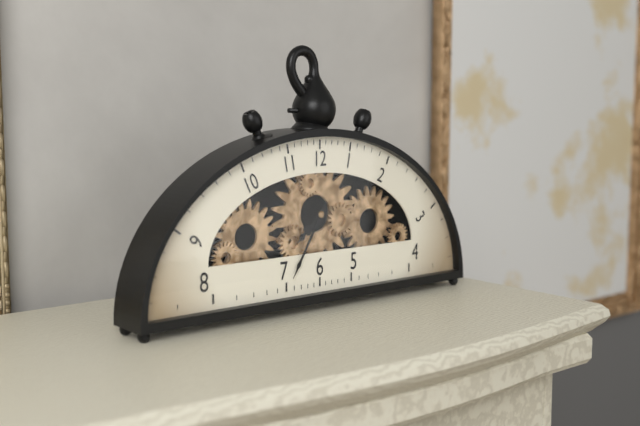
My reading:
7:35
